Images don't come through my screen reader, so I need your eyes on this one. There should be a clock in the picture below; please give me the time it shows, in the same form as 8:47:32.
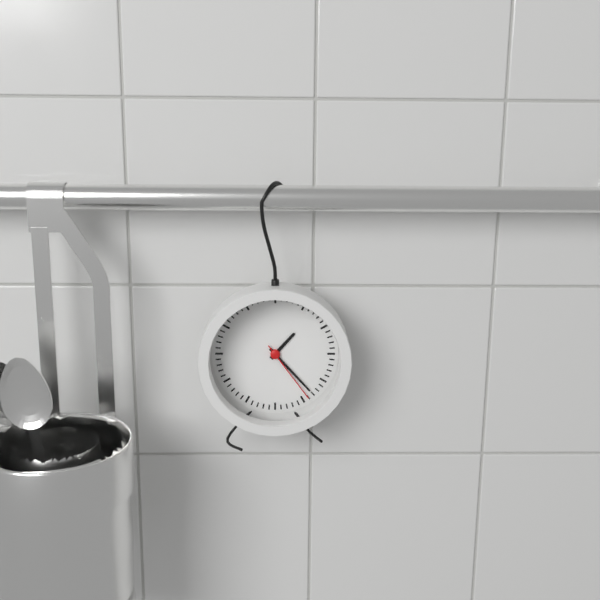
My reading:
1:23:24
